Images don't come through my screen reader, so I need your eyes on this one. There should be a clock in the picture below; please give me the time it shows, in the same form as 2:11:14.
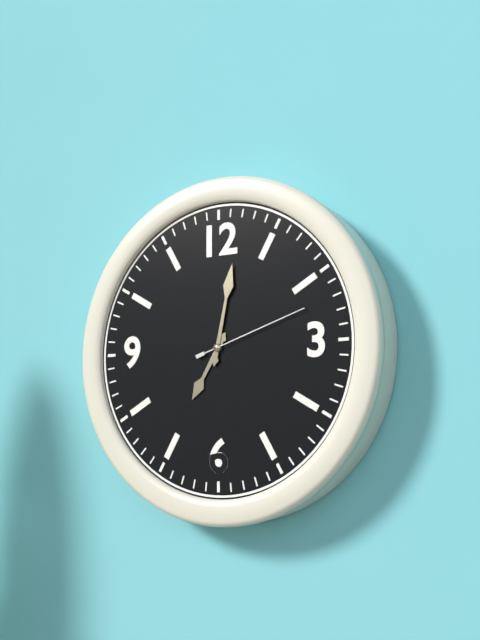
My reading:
7:02:12
